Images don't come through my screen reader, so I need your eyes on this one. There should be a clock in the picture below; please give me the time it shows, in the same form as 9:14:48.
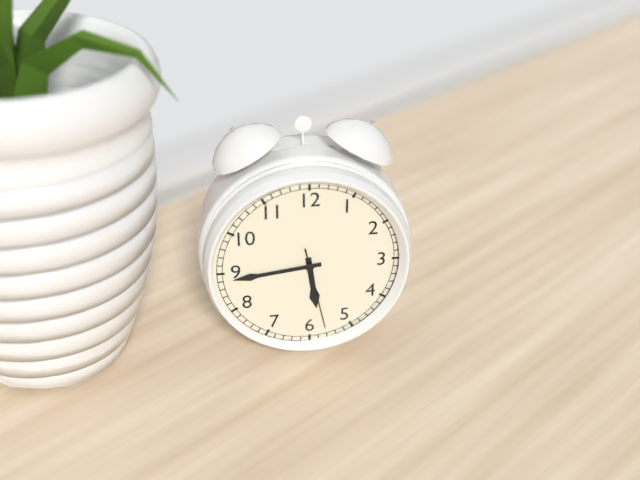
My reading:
5:44:28
